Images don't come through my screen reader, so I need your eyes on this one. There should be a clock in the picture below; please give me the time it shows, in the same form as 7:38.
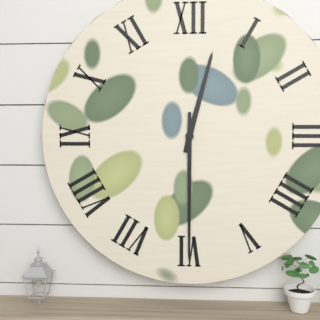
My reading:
12:30
